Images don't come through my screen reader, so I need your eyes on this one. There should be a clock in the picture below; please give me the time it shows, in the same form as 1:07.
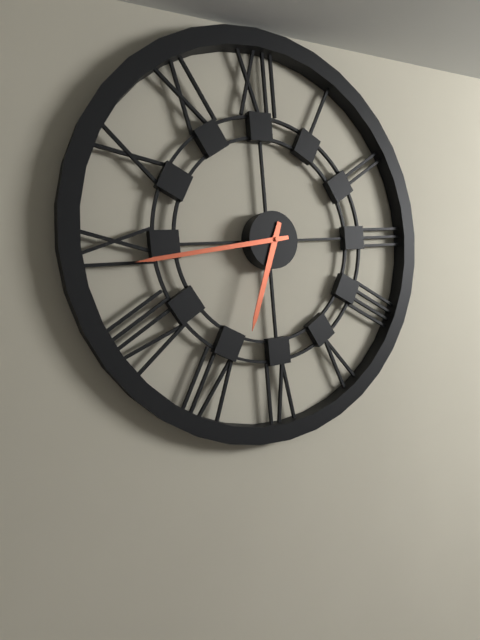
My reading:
6:44
